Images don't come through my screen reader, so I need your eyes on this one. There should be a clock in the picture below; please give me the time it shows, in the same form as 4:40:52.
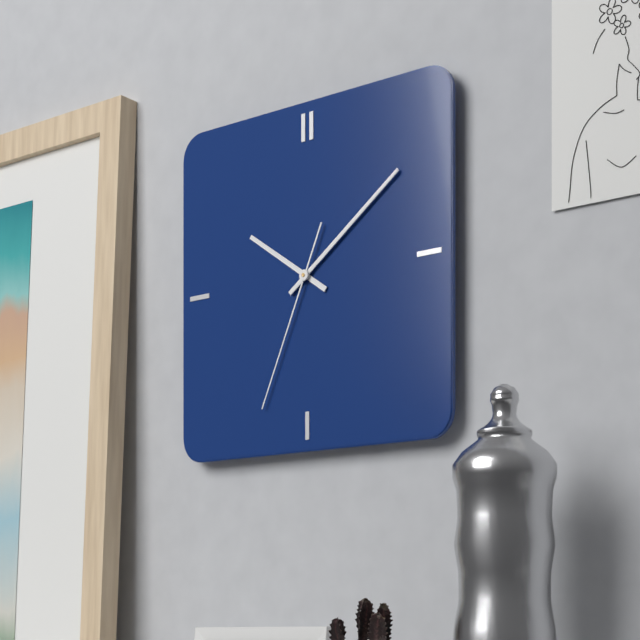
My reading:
10:09:34
